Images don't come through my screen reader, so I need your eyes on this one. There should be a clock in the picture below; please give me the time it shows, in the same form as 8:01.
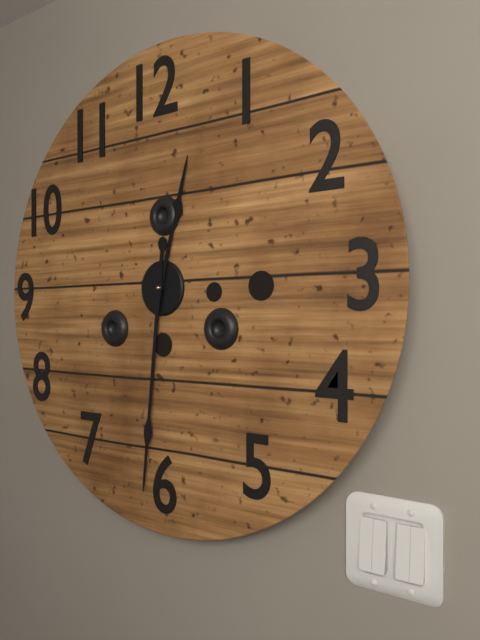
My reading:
12:31
